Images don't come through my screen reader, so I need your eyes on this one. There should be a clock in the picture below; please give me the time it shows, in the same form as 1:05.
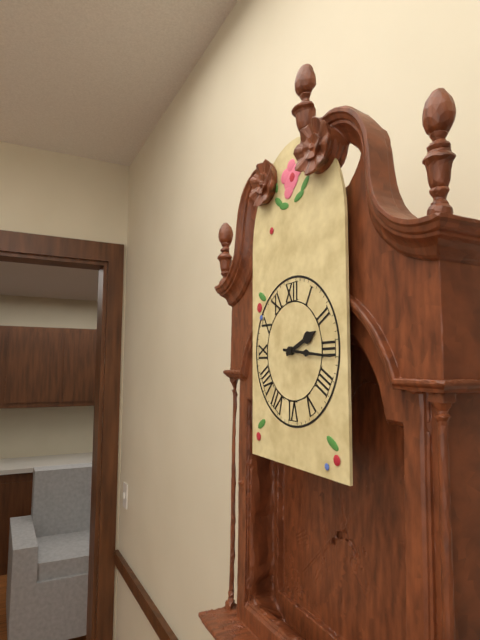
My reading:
2:16
